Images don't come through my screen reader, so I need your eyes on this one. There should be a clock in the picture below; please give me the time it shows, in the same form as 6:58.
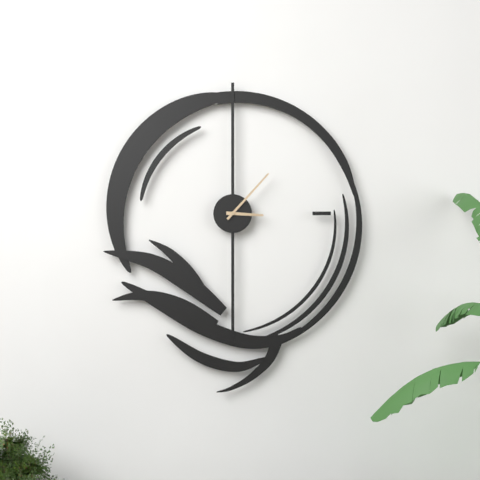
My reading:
3:07
